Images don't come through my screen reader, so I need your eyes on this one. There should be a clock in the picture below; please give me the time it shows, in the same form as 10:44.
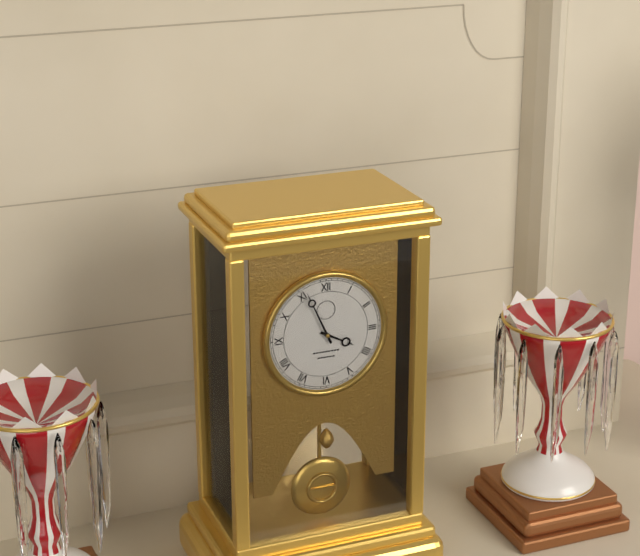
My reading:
3:56
